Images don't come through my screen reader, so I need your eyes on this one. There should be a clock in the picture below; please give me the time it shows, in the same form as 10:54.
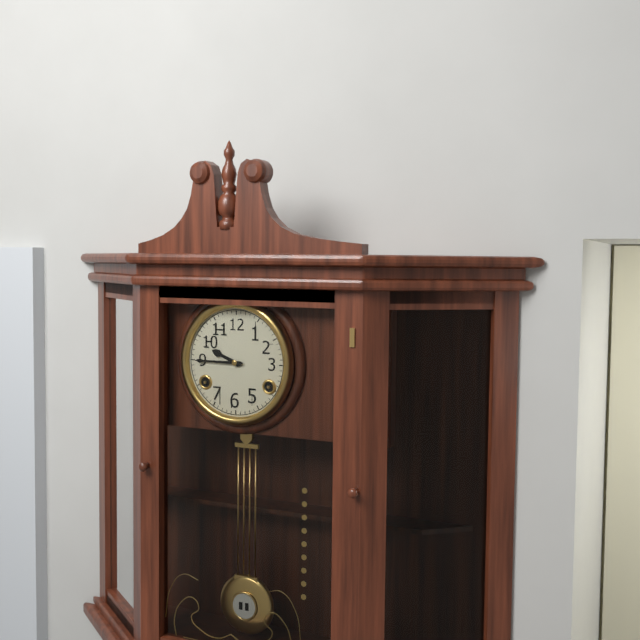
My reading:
9:45
